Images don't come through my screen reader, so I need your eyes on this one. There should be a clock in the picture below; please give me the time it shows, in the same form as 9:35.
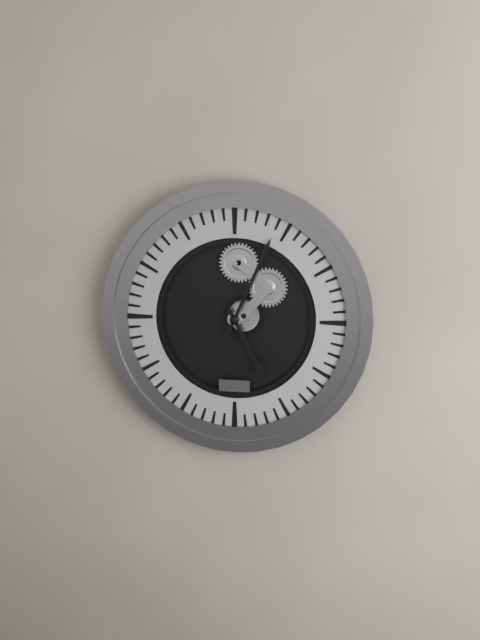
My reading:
5:04
